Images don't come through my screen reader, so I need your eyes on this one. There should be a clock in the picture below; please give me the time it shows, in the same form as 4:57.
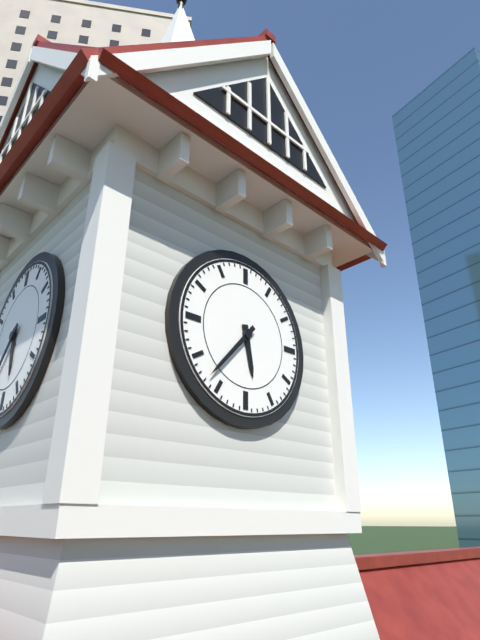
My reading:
5:37
